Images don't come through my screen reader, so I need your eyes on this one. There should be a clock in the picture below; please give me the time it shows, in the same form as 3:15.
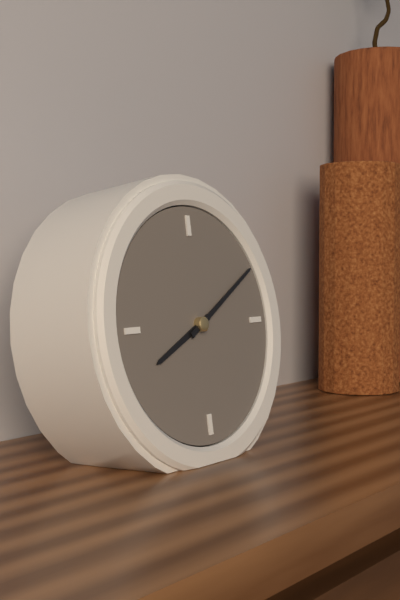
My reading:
8:10
